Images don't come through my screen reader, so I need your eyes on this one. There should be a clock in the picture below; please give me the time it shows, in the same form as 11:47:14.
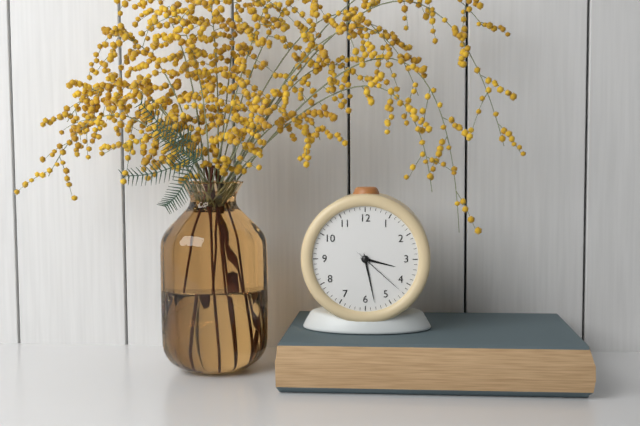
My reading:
3:28:22
